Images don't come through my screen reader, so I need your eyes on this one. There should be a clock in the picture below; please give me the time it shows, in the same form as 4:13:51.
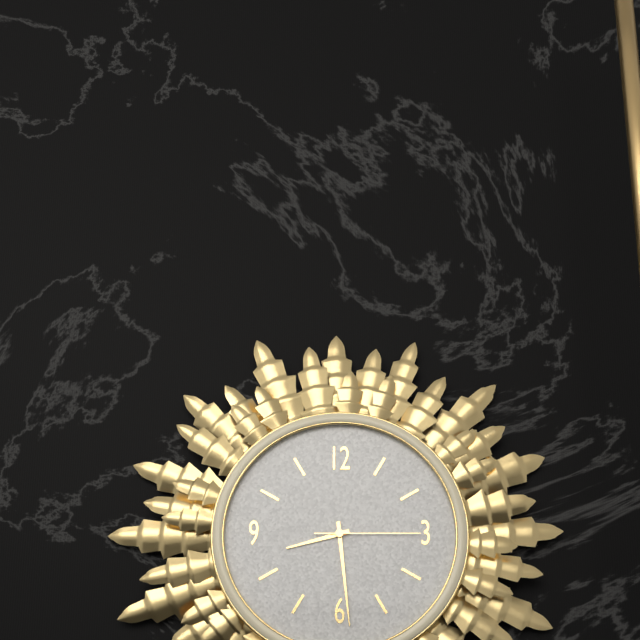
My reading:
8:29:15
